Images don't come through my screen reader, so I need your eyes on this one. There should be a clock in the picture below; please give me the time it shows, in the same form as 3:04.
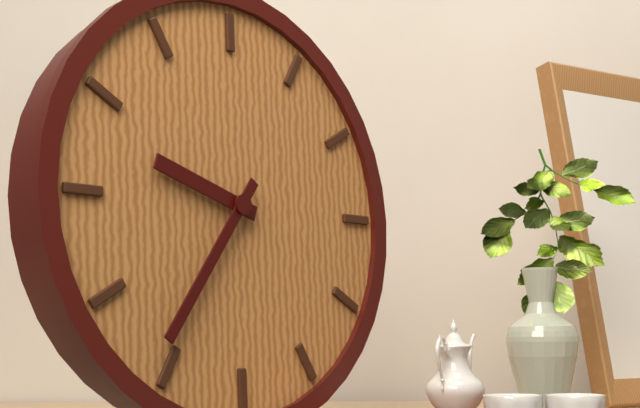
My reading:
9:36
